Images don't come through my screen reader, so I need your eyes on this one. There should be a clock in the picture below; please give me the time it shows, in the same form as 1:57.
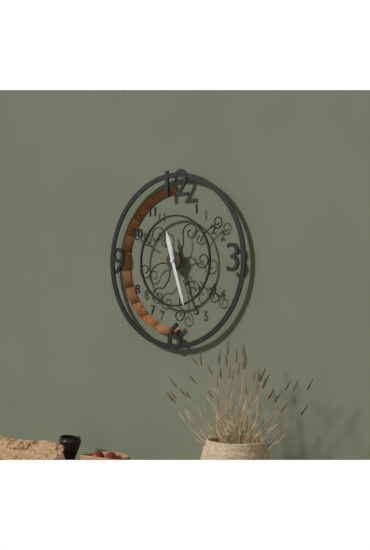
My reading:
11:27
